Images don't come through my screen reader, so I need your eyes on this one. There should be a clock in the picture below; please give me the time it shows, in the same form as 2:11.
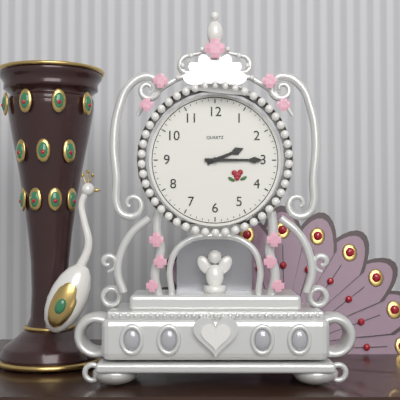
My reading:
2:15
